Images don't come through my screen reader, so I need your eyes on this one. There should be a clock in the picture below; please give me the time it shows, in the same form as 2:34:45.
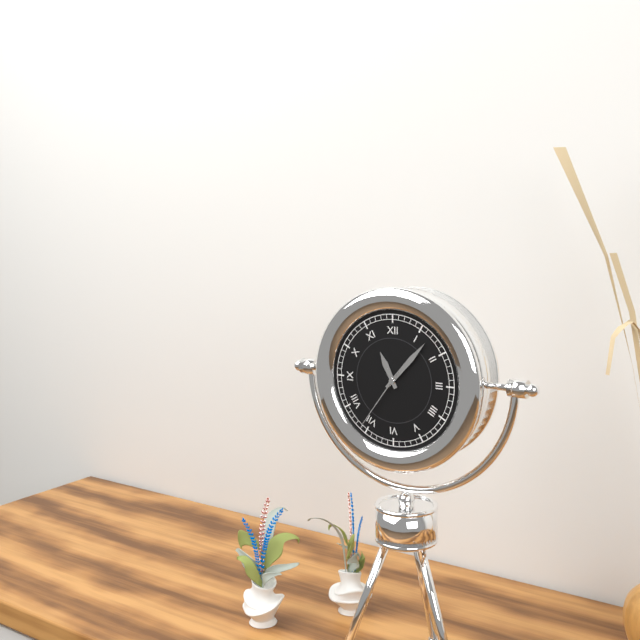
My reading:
11:07:36
